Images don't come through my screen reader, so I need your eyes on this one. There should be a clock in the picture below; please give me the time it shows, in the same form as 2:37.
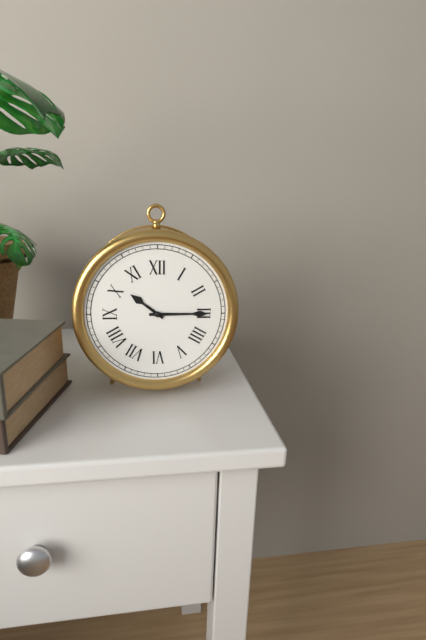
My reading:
10:15
